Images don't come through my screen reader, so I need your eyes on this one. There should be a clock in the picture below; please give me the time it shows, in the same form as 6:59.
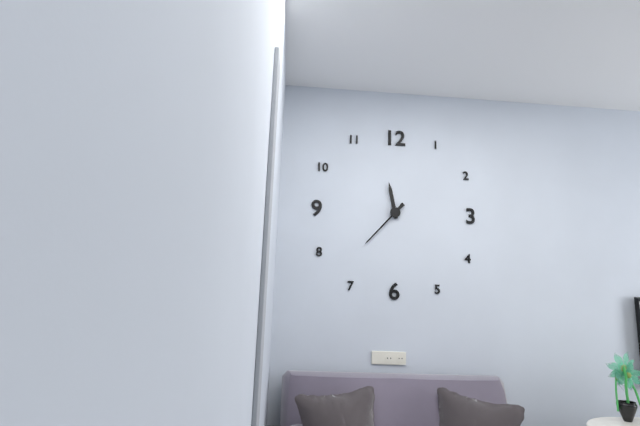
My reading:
11:37
